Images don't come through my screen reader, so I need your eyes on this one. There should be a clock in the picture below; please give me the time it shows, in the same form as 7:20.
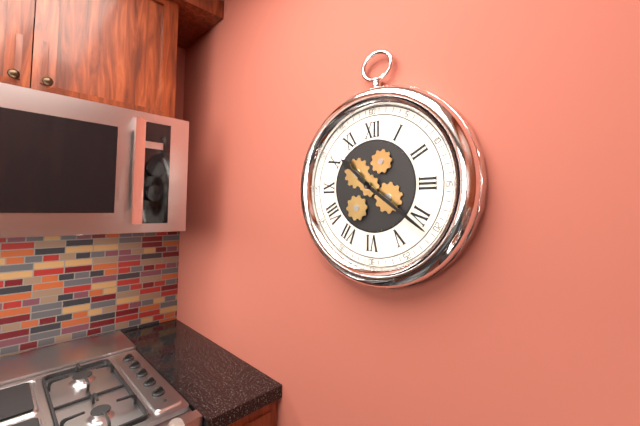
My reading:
10:21
